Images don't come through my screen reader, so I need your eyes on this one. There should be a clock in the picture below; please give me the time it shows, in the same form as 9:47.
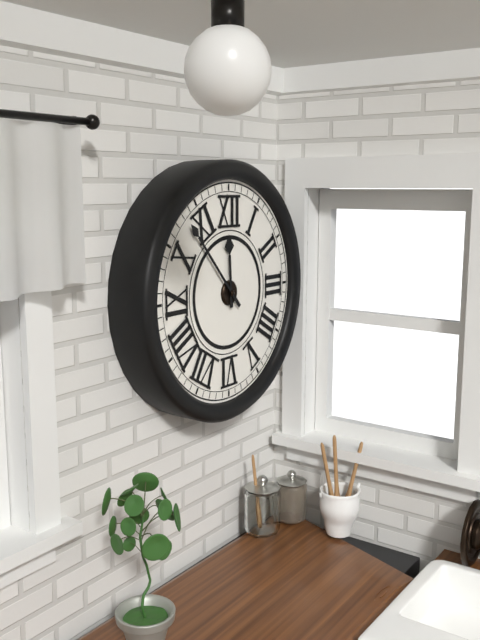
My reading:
11:53
